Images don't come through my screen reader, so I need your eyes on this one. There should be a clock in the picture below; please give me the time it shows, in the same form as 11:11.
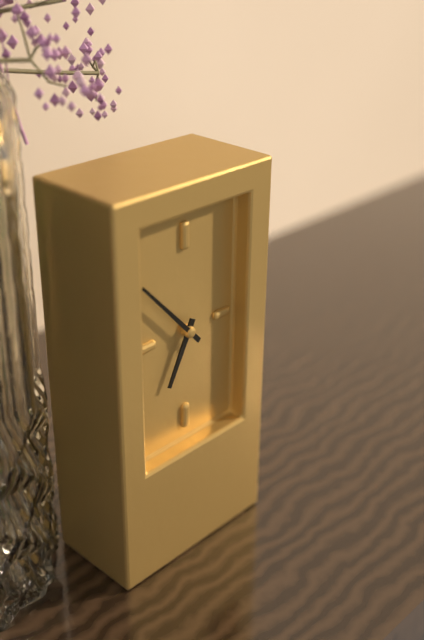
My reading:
6:53
